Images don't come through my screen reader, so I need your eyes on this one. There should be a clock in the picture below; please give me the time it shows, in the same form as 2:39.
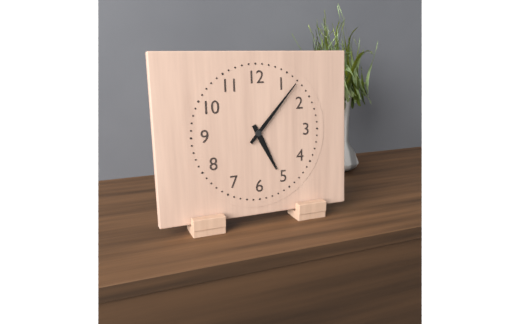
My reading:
5:07
